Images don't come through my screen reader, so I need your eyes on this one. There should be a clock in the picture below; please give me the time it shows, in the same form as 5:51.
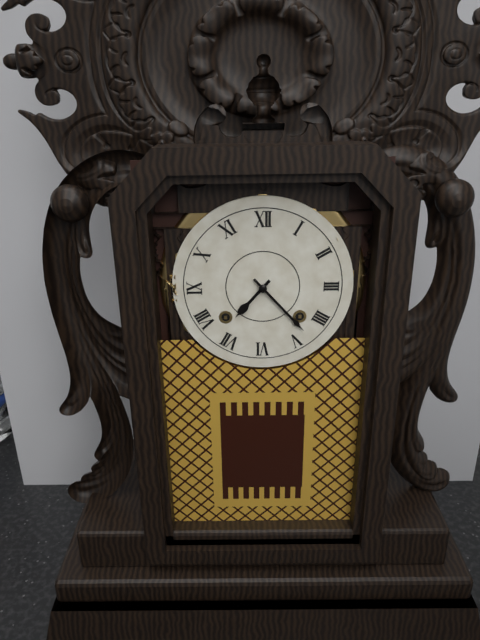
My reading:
7:23
